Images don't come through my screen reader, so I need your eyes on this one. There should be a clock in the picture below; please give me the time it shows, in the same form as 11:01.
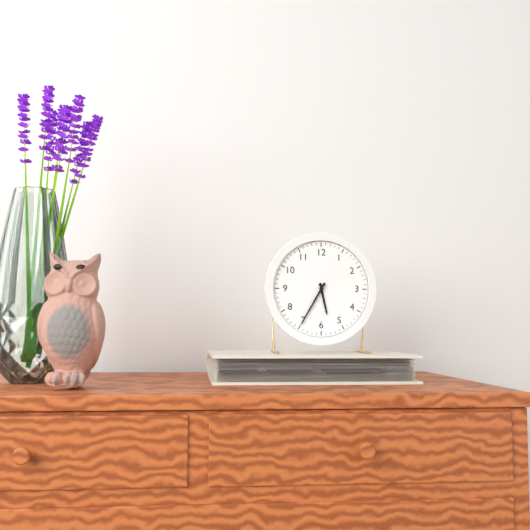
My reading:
5:35
